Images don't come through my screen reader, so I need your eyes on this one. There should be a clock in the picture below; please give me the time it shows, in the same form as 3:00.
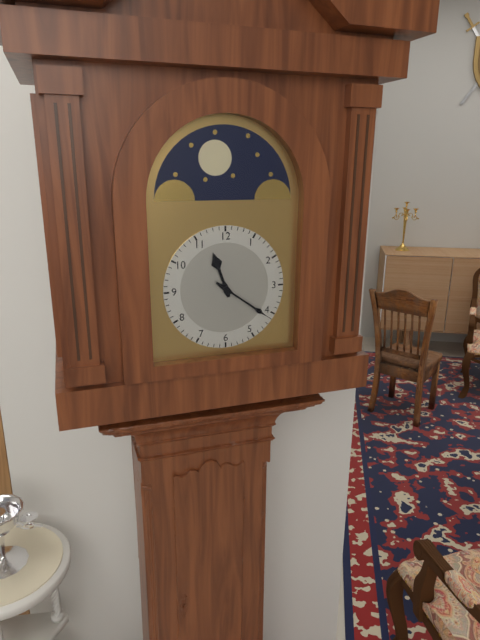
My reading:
11:21
